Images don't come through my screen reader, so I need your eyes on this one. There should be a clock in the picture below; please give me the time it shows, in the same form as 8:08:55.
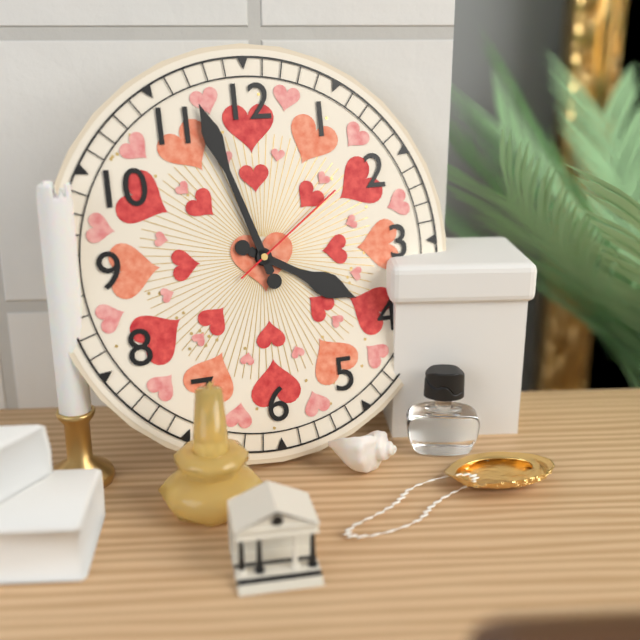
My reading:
3:57:09
